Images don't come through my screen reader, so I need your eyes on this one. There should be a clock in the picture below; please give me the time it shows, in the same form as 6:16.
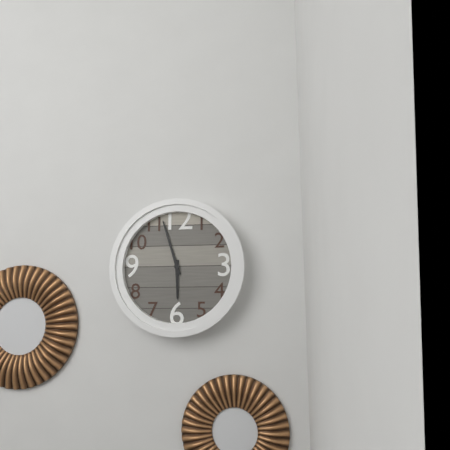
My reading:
5:57
